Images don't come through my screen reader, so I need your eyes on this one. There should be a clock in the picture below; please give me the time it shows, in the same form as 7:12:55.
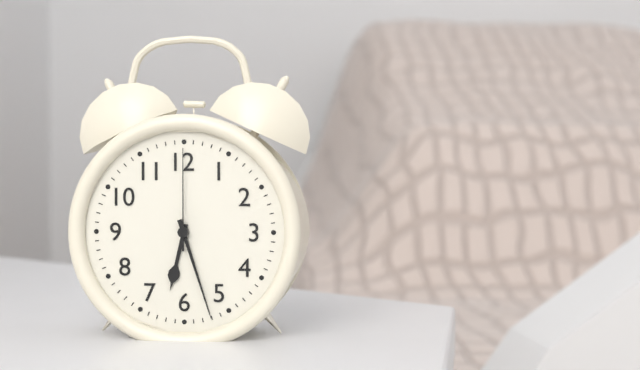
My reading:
6:27:00
